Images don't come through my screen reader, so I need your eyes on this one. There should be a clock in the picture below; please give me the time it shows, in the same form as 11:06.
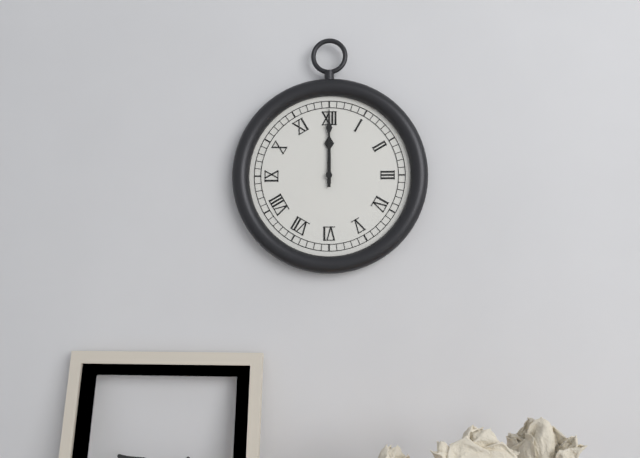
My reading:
12:00
